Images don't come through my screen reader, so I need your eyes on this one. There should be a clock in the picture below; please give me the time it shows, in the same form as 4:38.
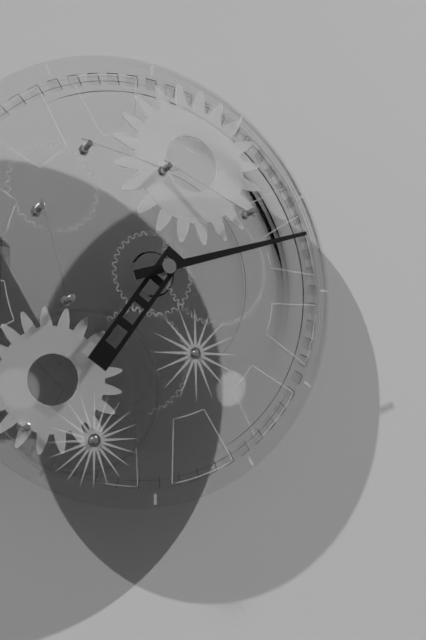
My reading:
7:12
